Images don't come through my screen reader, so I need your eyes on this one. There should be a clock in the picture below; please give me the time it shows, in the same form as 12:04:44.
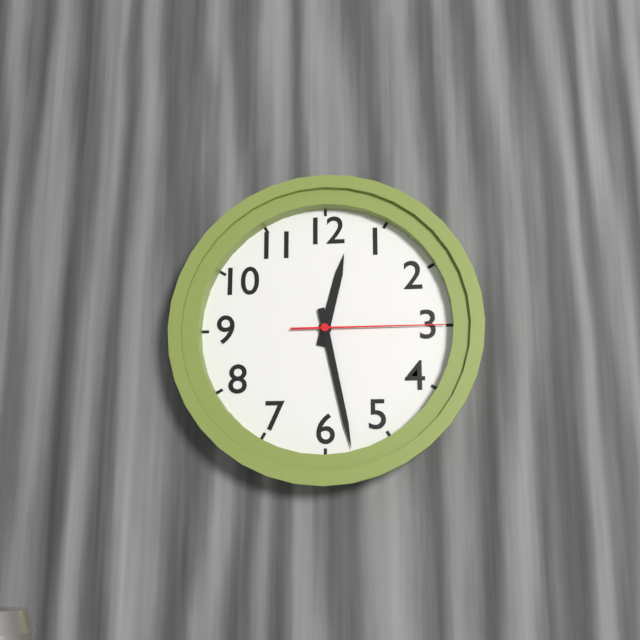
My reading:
12:28:15
